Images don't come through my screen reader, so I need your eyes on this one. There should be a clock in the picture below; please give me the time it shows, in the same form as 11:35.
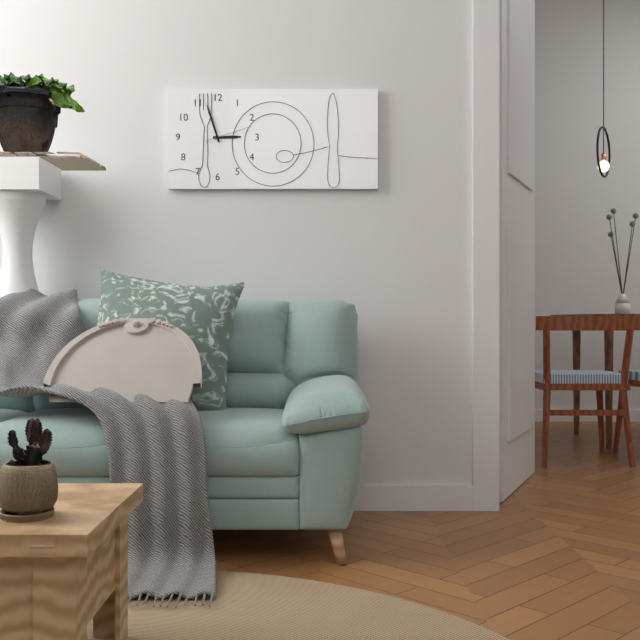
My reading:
2:57
